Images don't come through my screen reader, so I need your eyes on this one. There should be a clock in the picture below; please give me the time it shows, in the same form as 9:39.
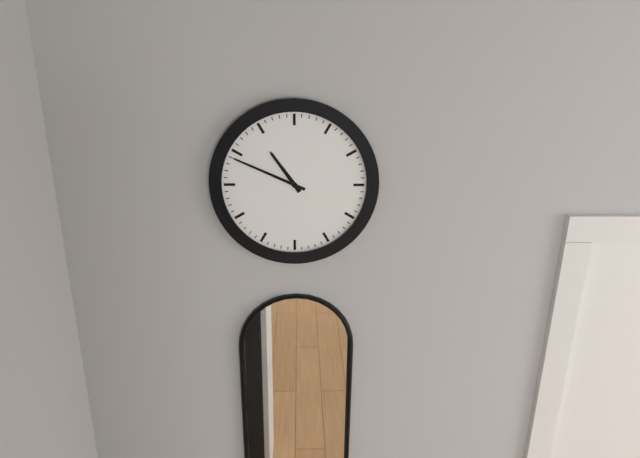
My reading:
10:49
